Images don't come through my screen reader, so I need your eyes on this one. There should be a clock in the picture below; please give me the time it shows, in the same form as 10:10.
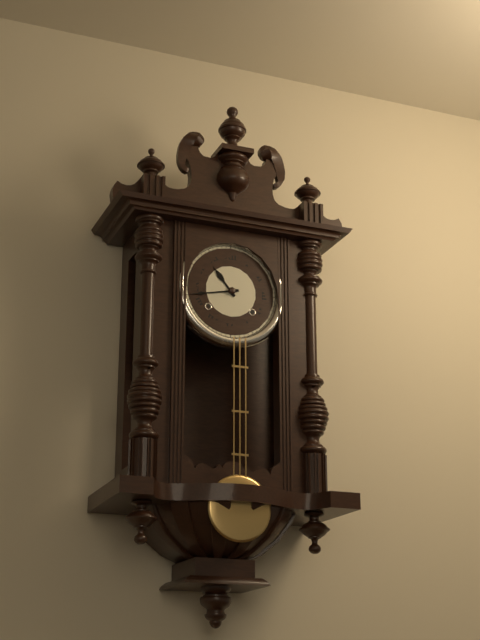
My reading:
10:43
